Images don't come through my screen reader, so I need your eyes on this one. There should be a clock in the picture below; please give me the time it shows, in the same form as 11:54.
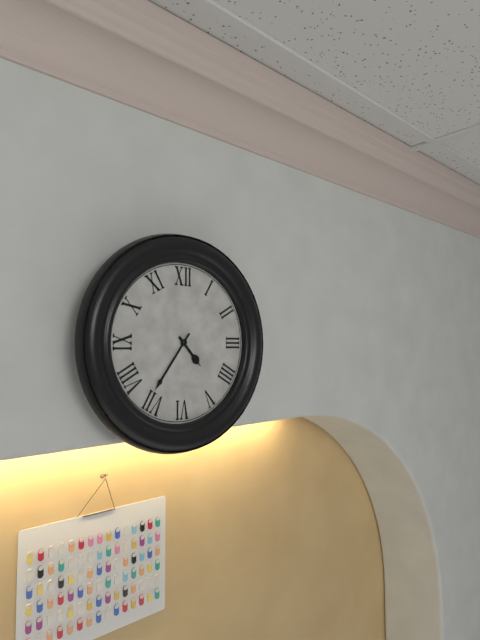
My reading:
4:36
